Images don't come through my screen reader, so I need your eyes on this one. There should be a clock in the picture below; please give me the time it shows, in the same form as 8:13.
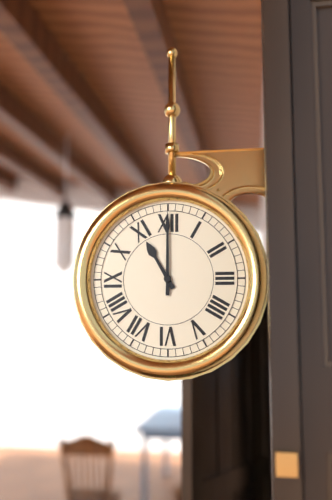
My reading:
11:00
